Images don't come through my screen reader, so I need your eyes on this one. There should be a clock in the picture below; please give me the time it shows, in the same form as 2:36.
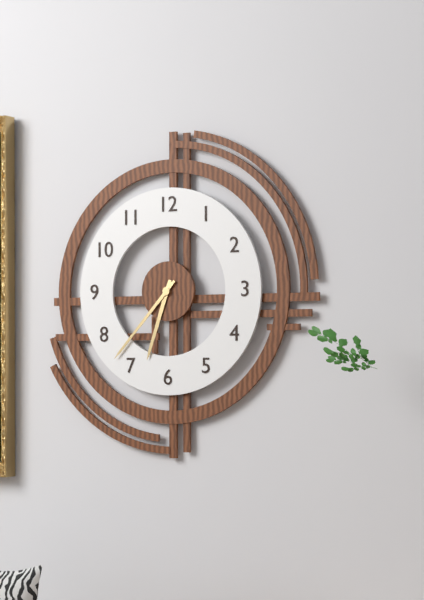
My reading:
6:37
